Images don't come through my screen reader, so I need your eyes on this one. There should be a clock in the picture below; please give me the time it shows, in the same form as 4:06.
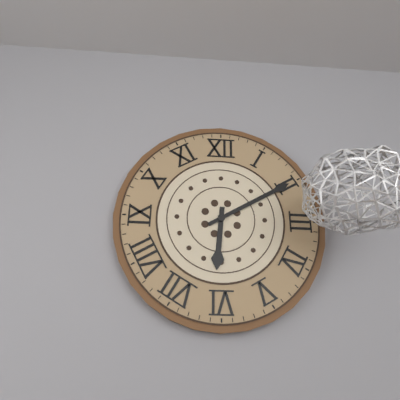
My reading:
6:10
